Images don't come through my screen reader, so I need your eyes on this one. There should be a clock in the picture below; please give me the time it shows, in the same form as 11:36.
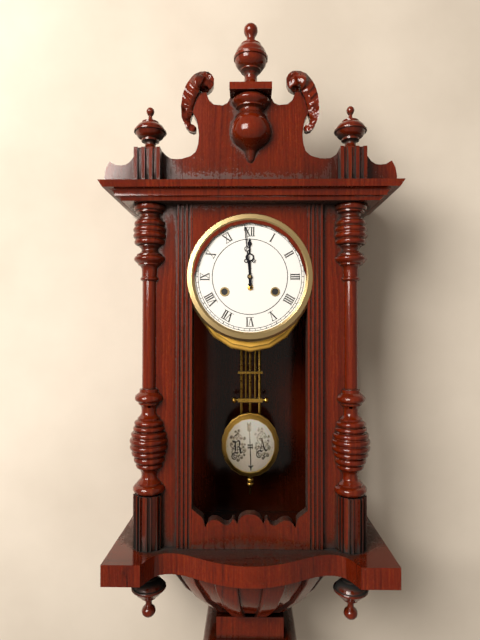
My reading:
11:59
